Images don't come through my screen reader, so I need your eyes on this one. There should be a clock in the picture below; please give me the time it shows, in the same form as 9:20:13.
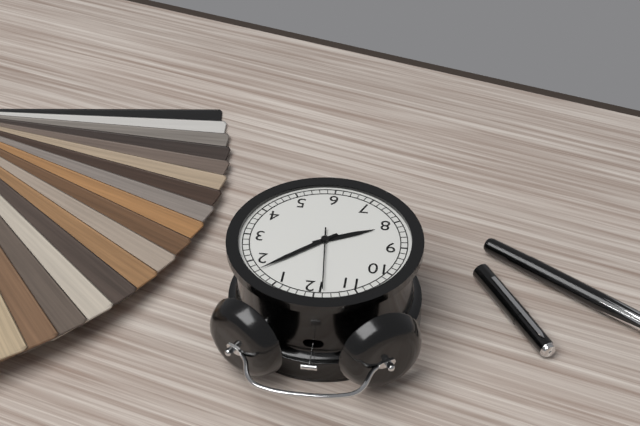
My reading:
8:08:59
